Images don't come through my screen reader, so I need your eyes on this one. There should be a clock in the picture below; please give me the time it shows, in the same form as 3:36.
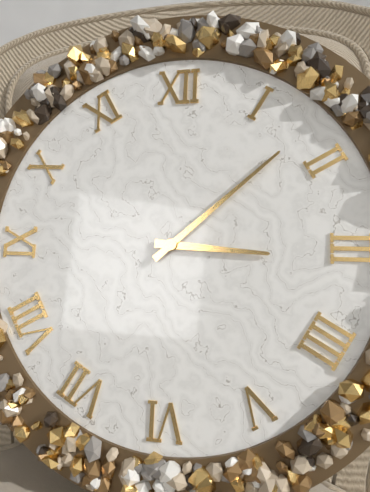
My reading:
3:08
